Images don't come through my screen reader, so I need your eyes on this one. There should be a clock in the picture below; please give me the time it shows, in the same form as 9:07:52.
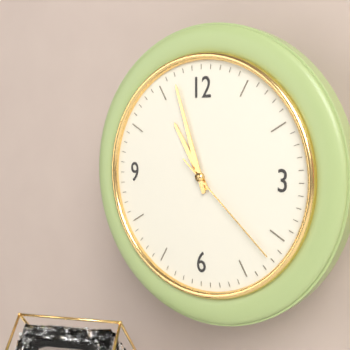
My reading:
10:57:22
